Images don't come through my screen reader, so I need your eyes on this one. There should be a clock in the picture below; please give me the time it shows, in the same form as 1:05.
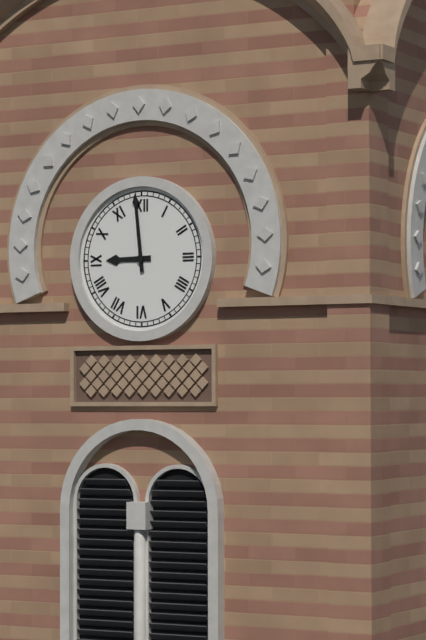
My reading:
8:59
